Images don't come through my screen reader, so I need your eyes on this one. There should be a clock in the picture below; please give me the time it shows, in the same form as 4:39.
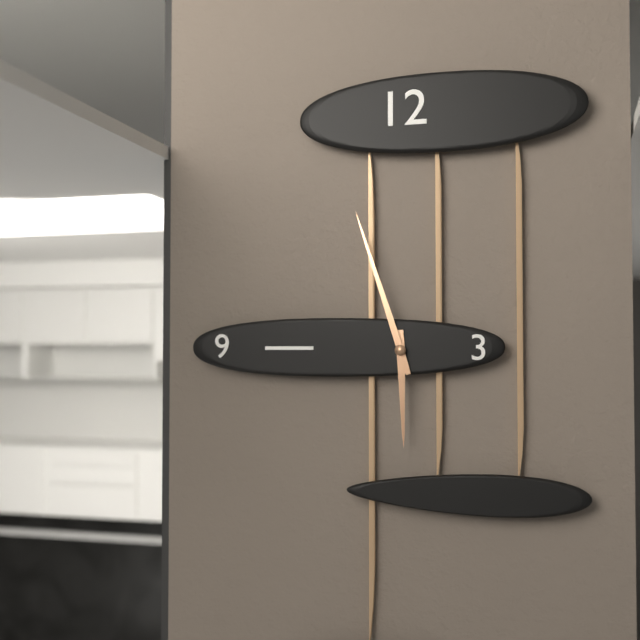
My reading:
5:57
